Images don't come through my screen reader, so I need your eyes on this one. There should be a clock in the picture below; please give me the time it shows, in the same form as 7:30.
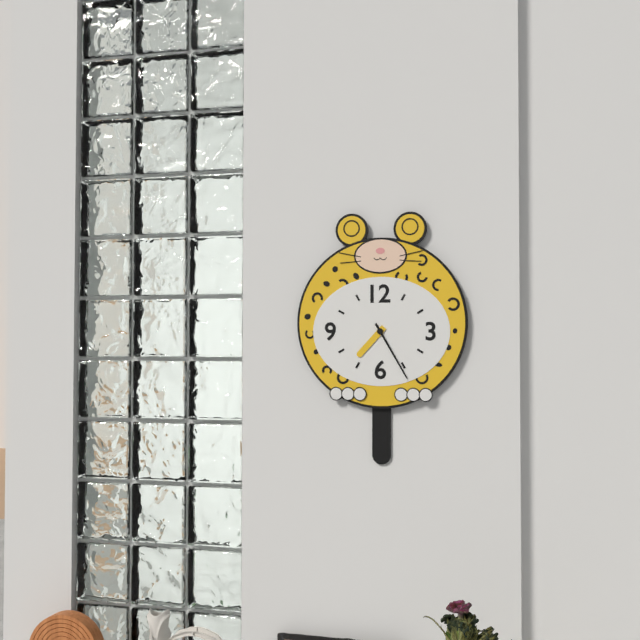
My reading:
7:25
